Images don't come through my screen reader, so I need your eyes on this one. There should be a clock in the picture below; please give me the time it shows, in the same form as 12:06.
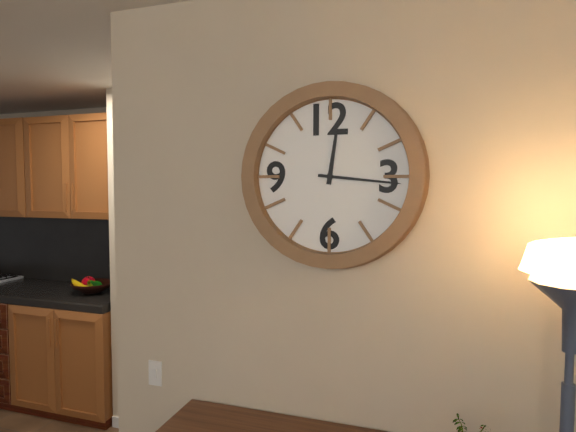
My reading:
12:16
